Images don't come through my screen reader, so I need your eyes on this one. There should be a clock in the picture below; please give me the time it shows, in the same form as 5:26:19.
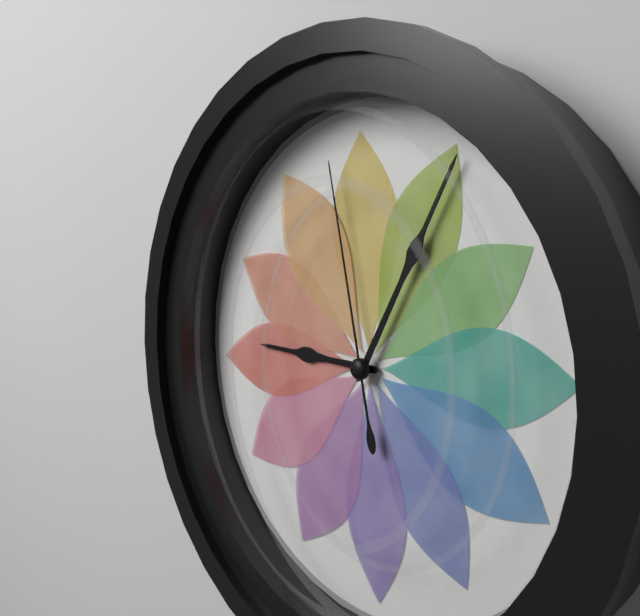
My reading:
9:05:58
